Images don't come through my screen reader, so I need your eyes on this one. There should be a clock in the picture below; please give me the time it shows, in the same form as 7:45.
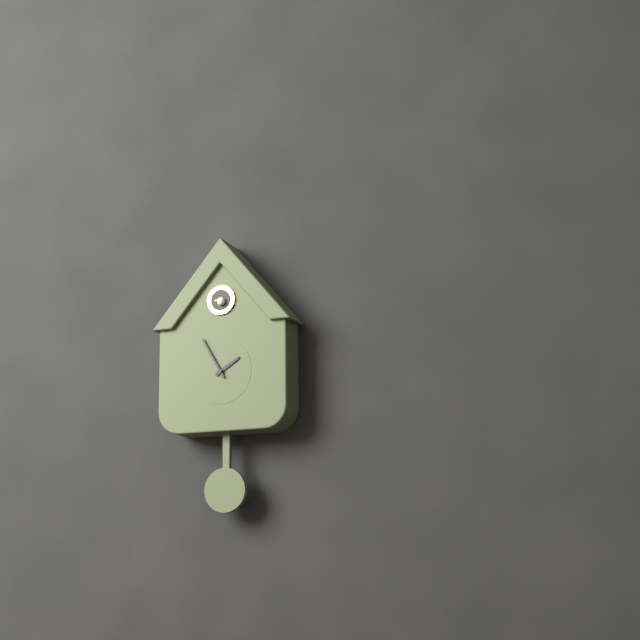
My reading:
1:55
